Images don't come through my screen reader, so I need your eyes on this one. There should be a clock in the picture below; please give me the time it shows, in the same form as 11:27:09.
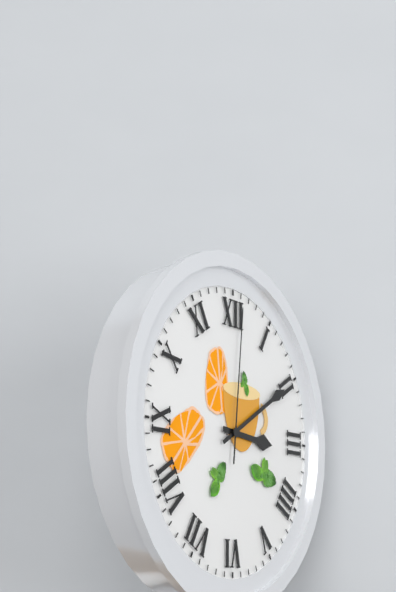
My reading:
3:10:01
